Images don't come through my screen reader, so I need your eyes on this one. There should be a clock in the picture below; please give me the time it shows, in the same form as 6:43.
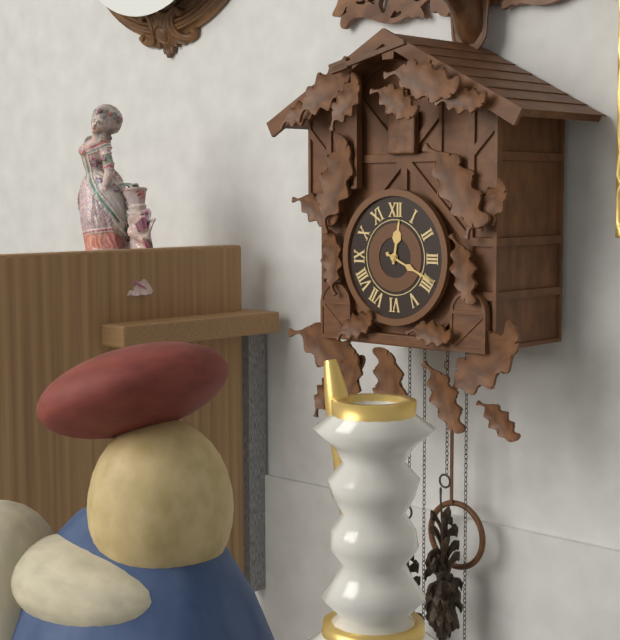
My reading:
12:19
